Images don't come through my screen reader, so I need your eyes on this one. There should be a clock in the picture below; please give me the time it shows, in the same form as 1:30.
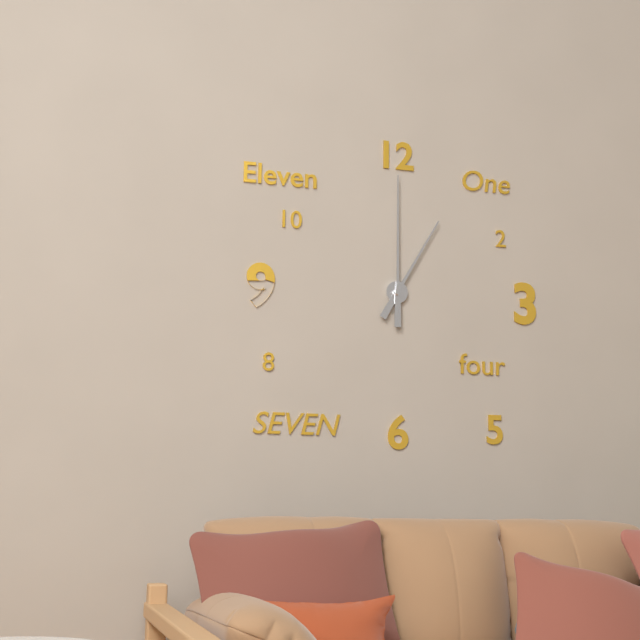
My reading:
1:00
